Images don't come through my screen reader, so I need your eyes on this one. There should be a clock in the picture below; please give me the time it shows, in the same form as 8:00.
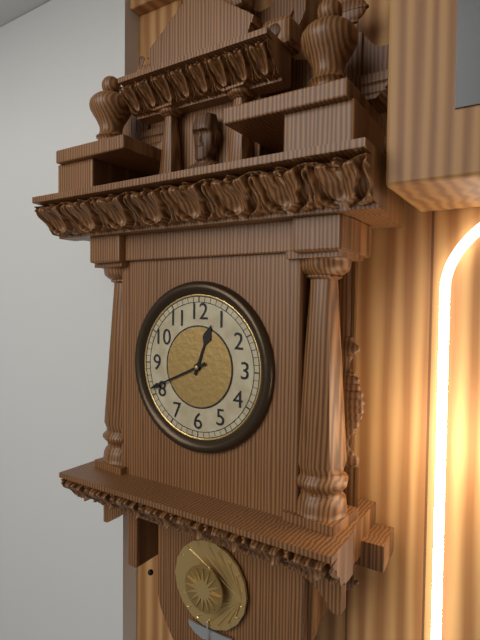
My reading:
12:41
